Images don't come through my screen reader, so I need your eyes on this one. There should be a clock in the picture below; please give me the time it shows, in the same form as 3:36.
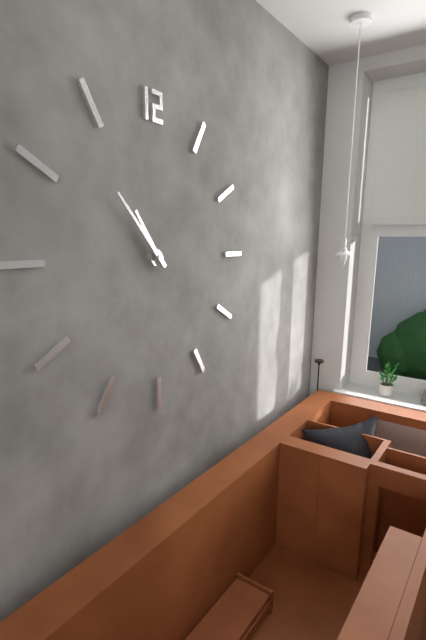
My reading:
10:53
